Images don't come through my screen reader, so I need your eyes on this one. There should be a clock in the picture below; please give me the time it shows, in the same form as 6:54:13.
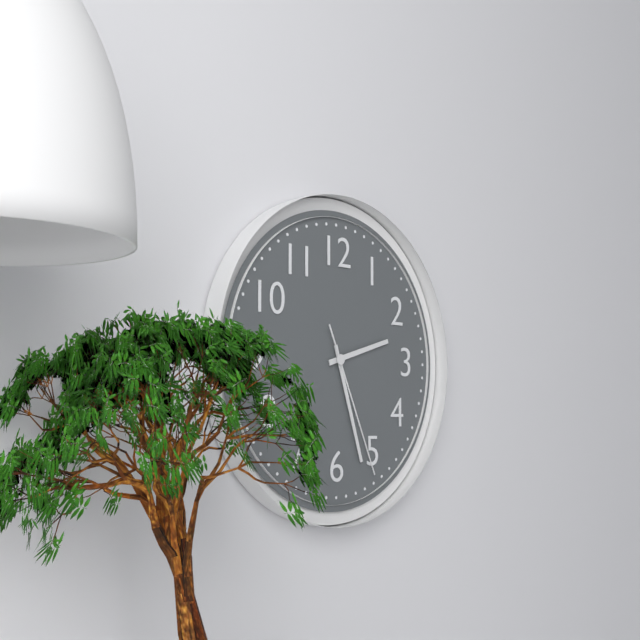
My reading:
2:27:26
